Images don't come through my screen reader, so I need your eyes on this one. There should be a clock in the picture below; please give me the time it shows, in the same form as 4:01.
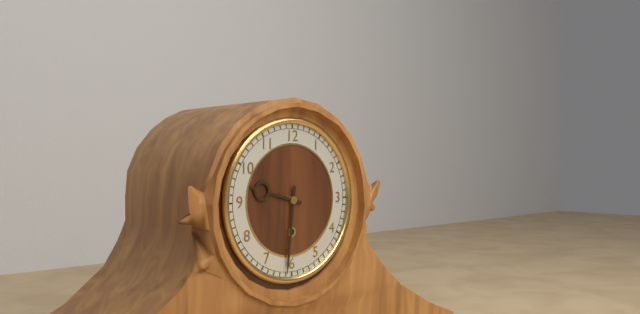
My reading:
9:31
